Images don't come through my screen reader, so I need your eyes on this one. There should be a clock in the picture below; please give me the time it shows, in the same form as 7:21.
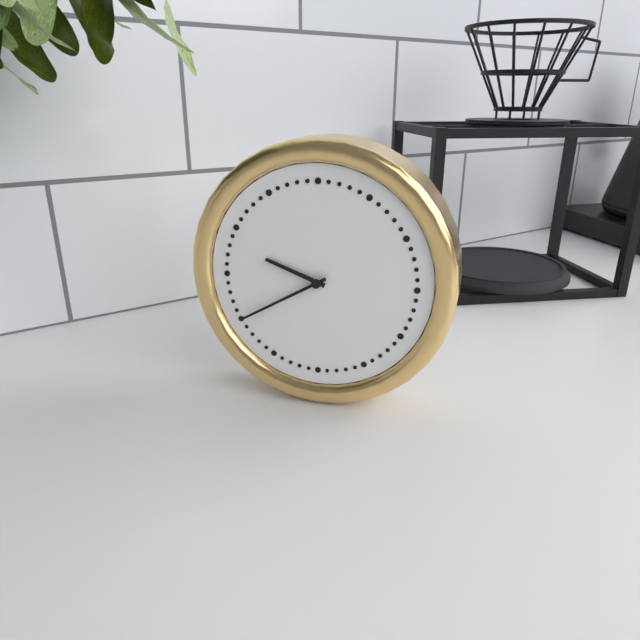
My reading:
9:40
